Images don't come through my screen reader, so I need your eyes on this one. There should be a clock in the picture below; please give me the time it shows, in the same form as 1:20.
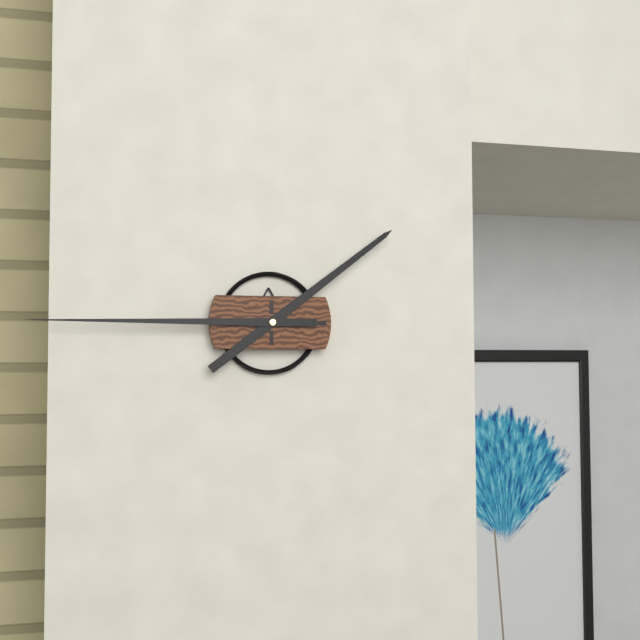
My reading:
1:45
